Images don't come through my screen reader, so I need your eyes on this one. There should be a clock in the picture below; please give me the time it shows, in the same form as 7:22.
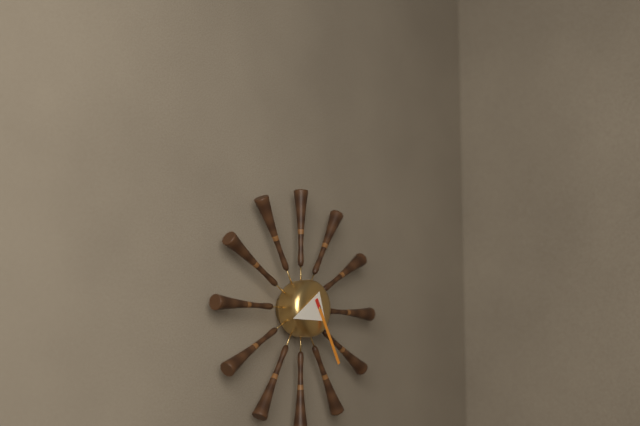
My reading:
8:25
